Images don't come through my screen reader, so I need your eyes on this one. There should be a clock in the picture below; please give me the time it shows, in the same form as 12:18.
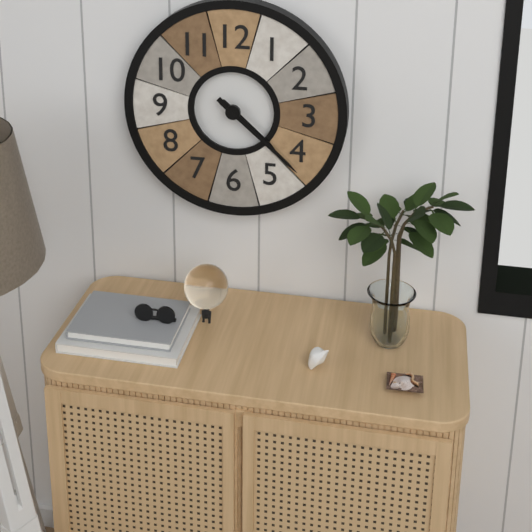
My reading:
4:22
